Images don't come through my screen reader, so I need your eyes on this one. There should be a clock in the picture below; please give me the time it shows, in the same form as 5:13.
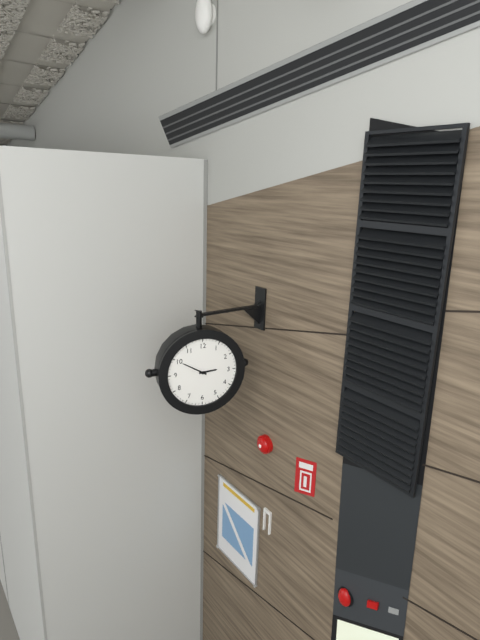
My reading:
2:50
